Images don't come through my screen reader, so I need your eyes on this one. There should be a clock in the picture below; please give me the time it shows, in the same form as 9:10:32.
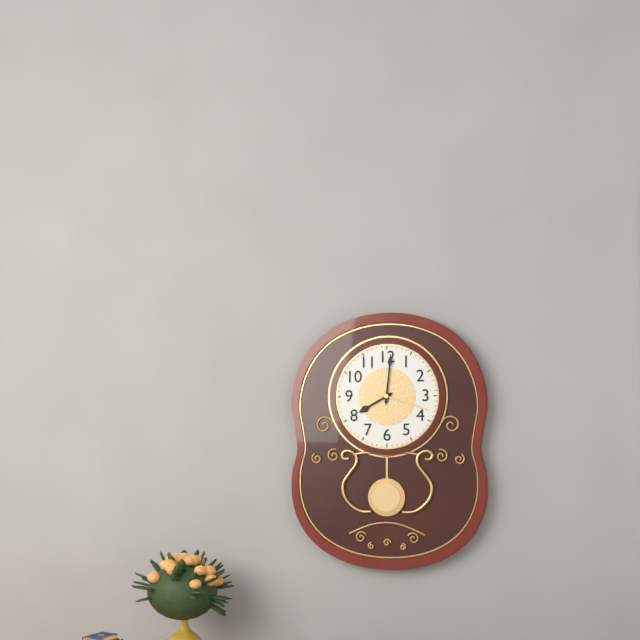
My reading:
8:01:18
